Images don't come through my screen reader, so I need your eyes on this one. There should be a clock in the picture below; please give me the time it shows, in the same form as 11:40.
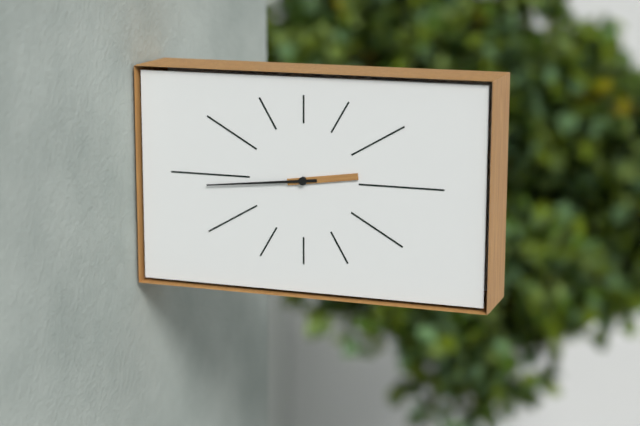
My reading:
2:44
